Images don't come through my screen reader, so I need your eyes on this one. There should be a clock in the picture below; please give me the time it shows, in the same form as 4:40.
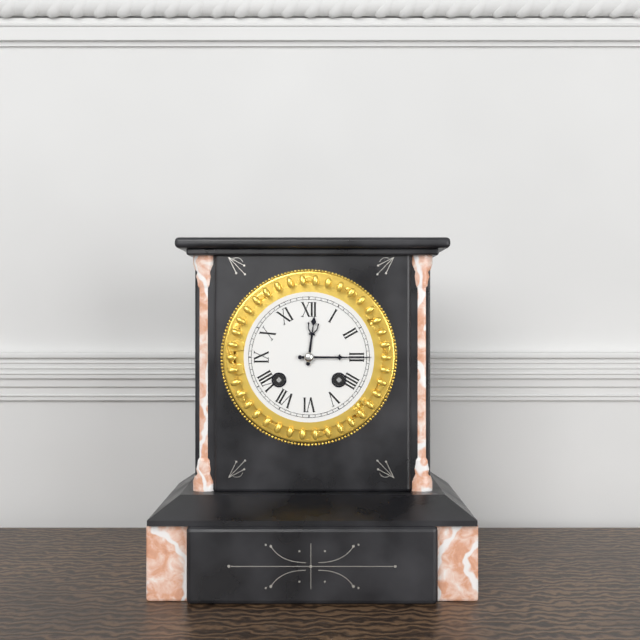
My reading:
12:15
